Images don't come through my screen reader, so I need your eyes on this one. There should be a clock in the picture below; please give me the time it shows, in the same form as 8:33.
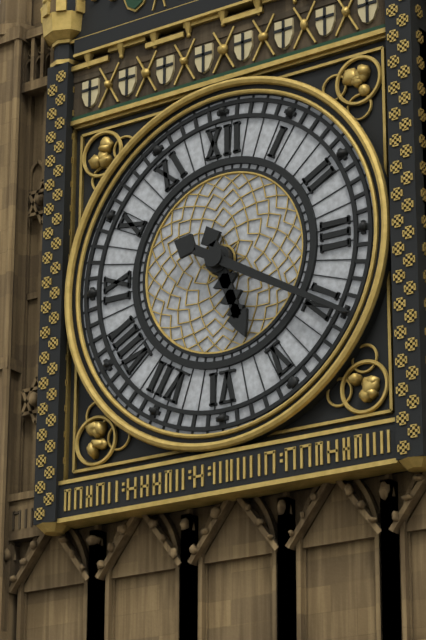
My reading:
5:20
